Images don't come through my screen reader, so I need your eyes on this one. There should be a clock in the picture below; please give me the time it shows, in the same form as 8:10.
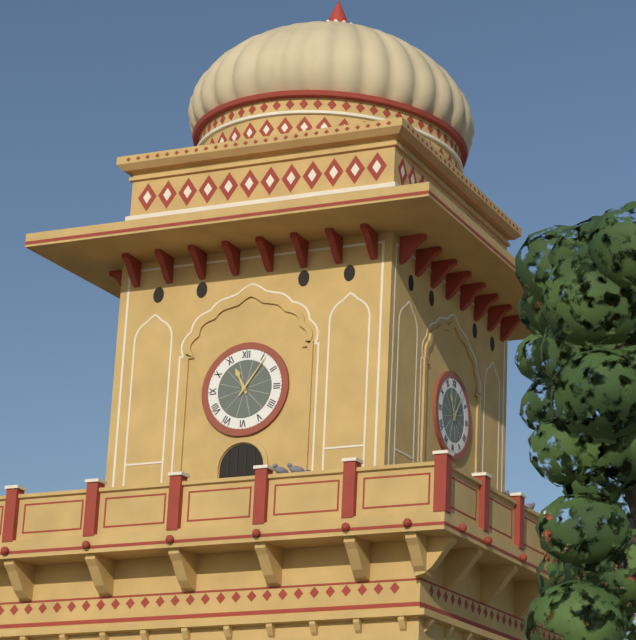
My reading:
11:06
